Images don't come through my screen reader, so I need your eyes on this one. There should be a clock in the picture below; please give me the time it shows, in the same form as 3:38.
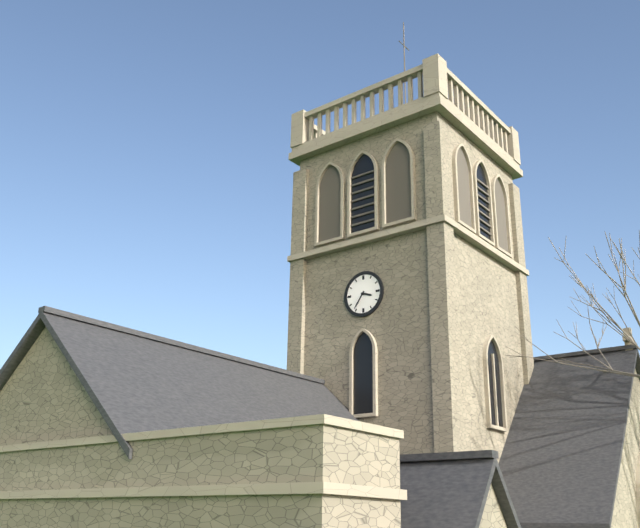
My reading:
3:36
